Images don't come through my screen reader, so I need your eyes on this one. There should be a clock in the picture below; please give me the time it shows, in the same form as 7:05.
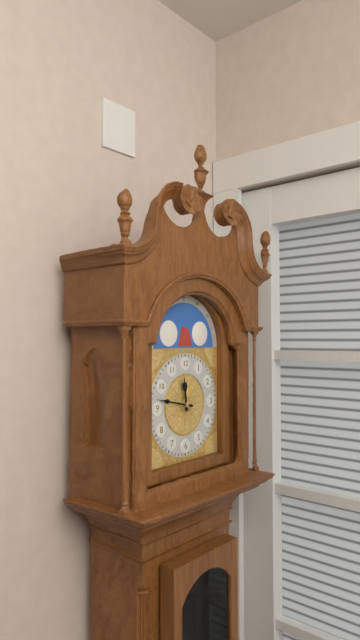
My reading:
11:47
